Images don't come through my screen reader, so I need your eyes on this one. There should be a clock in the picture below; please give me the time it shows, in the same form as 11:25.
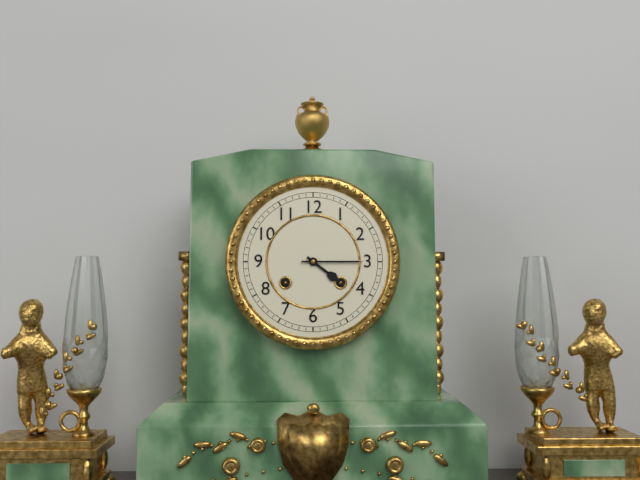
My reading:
4:15
